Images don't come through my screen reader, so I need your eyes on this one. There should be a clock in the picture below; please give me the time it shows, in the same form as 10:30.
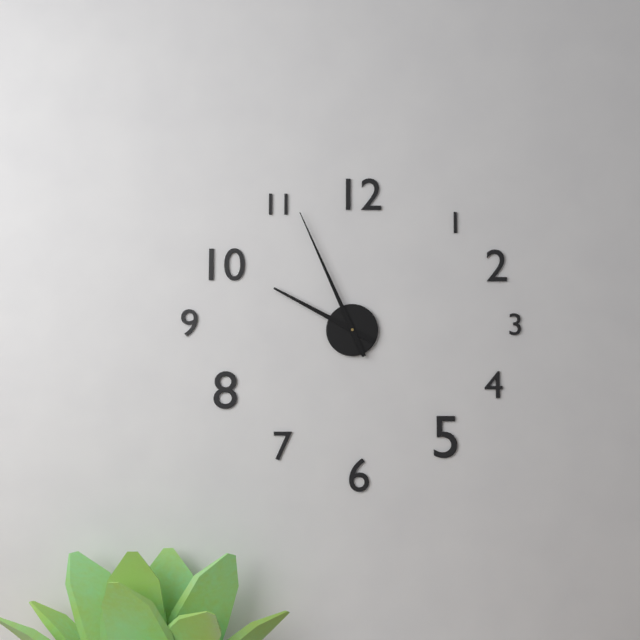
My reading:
9:56
